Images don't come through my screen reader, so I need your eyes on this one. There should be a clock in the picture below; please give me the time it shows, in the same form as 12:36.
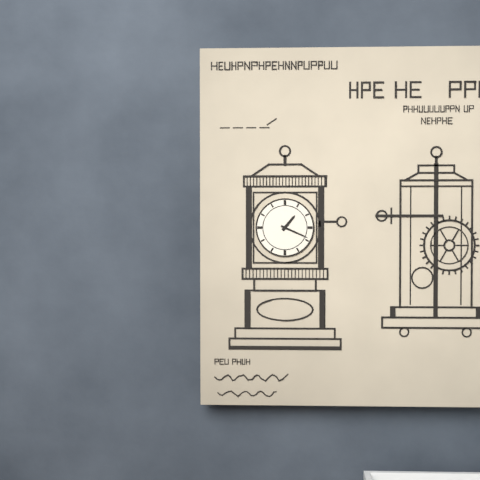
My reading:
1:19
